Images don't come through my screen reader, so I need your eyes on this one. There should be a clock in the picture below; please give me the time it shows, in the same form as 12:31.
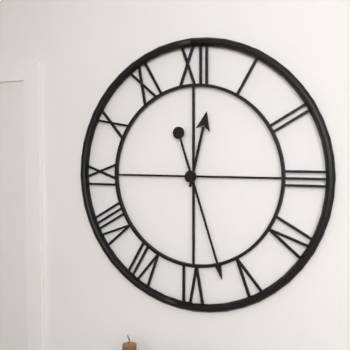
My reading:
12:27
